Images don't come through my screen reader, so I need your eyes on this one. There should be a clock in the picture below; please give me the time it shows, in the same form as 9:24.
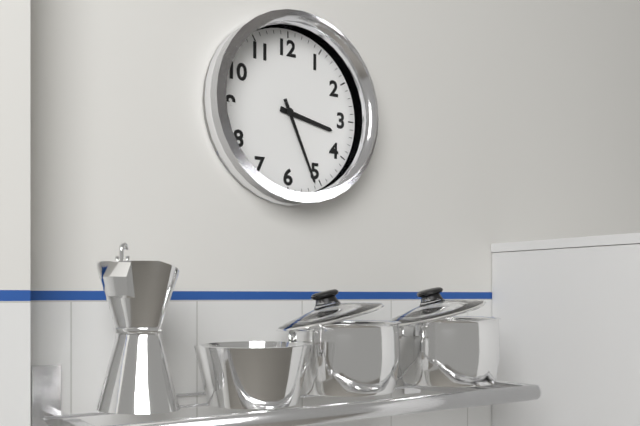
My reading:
3:26
